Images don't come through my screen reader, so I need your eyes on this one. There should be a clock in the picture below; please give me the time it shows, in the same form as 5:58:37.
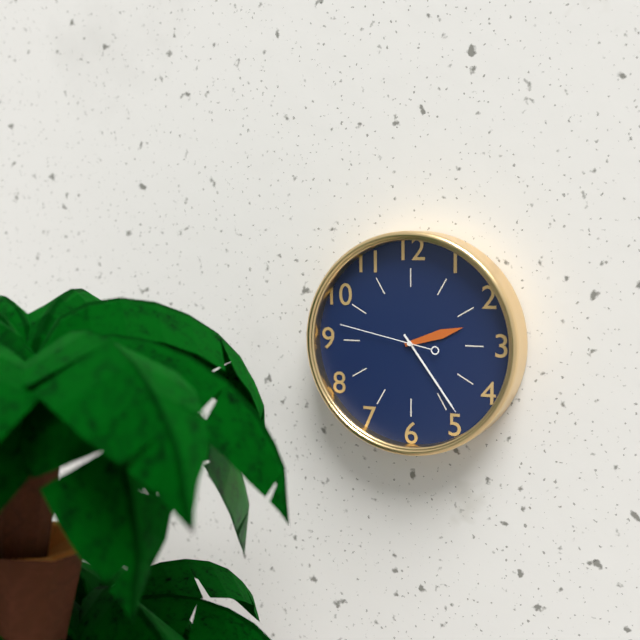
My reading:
2:24:47
